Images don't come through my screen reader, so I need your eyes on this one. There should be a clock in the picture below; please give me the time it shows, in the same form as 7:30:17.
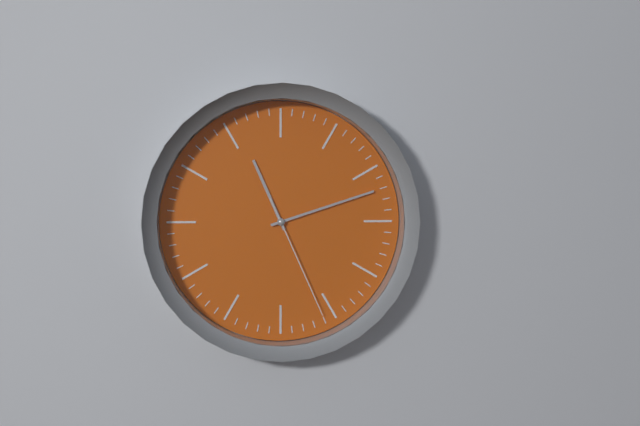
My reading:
11:12:26
